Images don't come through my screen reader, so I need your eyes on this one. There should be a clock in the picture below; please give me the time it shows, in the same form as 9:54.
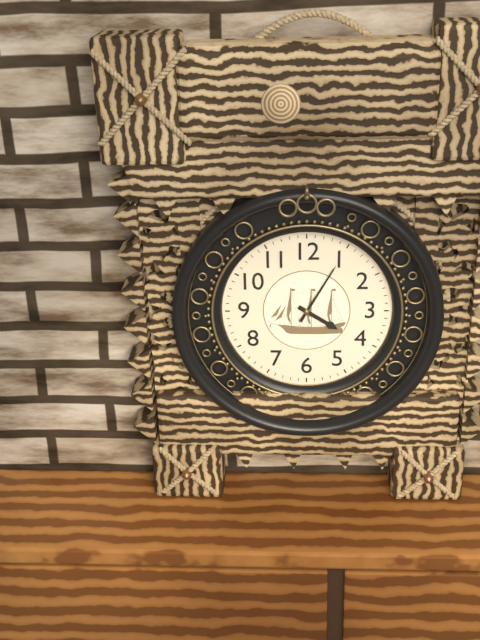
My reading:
4:05
